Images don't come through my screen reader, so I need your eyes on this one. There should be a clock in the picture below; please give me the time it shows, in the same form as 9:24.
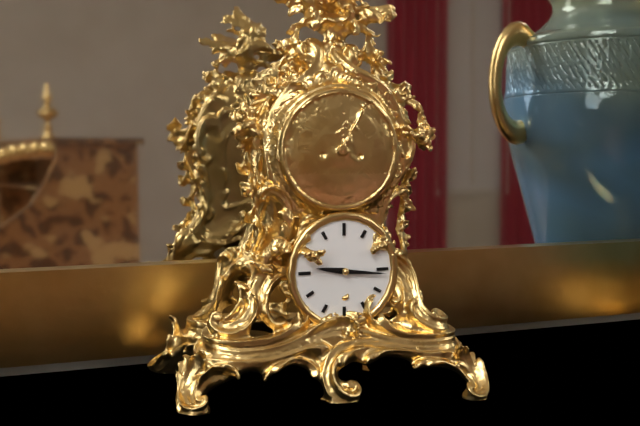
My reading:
9:16
